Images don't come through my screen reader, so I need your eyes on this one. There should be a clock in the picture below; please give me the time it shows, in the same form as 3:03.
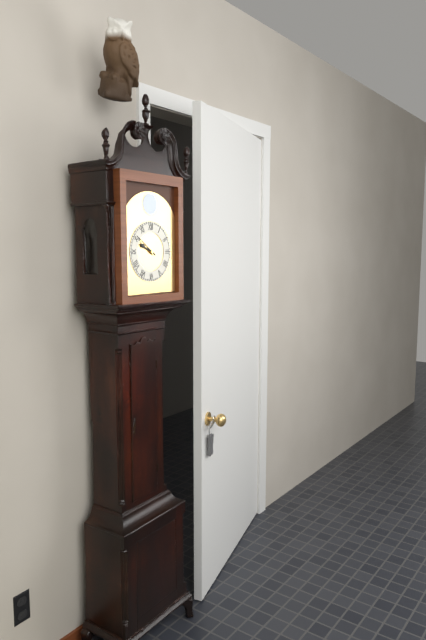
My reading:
9:51
